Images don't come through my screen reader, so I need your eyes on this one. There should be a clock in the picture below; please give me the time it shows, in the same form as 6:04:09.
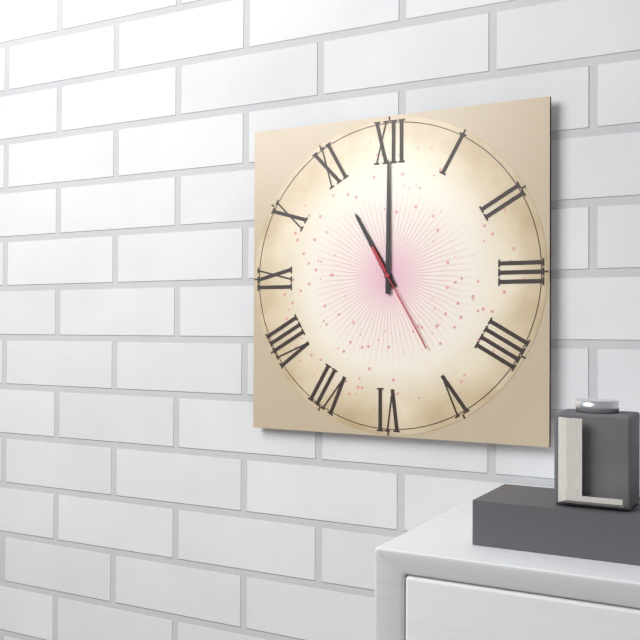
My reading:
11:00:25
